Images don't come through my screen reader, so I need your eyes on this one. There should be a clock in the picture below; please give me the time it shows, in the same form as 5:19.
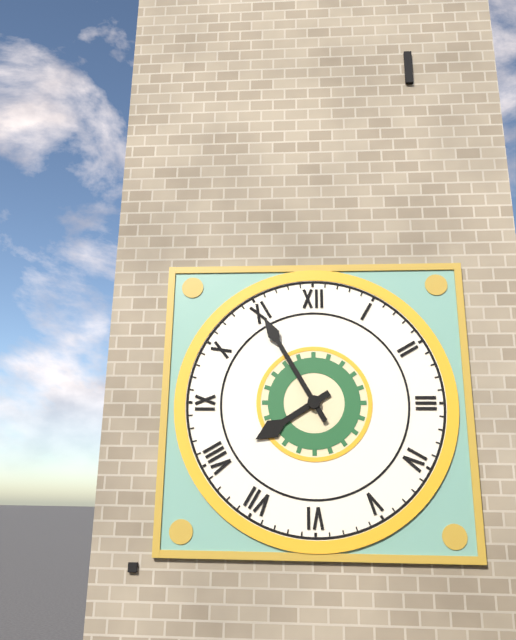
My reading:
7:55
